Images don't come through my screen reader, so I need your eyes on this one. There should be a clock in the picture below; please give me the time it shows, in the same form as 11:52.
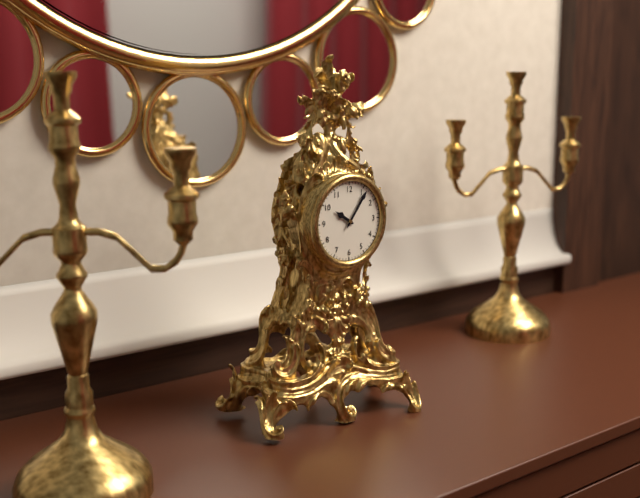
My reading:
10:06
